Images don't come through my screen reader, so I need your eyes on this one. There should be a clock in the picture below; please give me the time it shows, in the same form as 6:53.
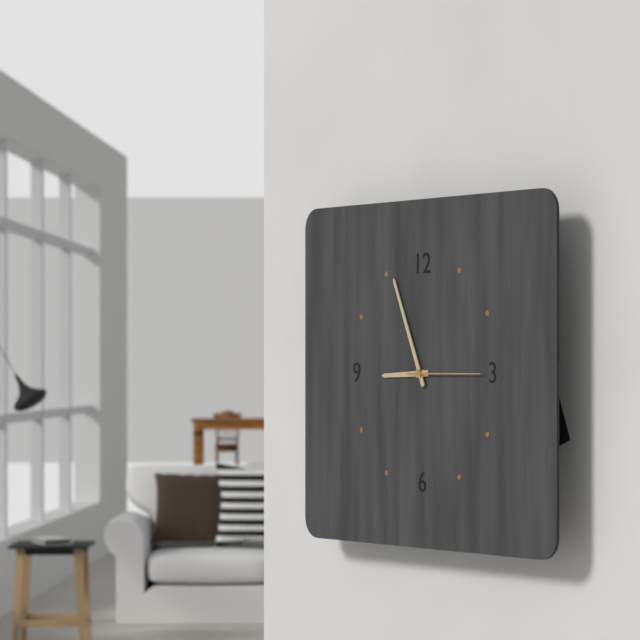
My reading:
8:56
